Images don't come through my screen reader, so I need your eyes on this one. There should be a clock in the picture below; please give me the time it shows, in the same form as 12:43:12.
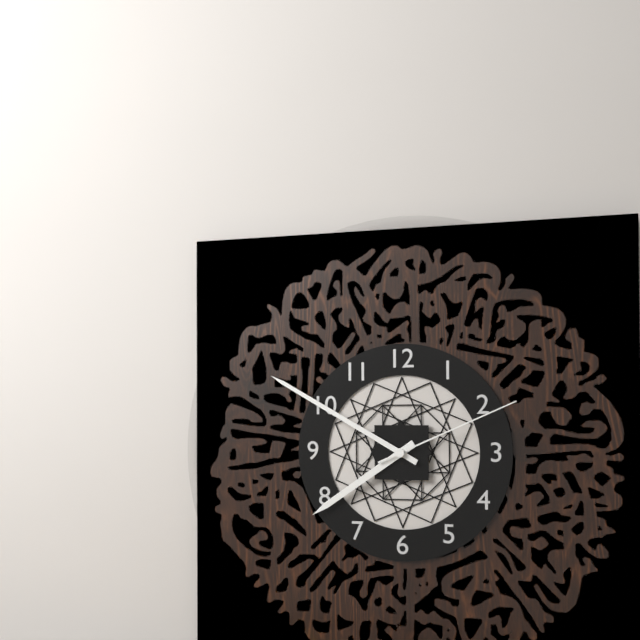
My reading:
7:50:11
